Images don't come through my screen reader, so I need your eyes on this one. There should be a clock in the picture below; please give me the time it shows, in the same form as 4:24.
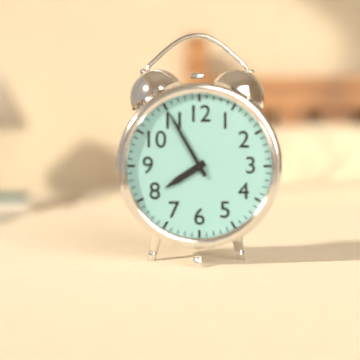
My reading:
7:55
